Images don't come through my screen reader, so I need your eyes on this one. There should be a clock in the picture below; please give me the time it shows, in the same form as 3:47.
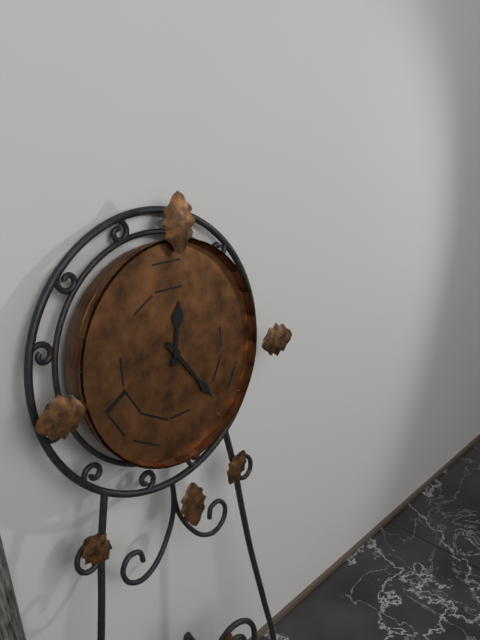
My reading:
12:24
